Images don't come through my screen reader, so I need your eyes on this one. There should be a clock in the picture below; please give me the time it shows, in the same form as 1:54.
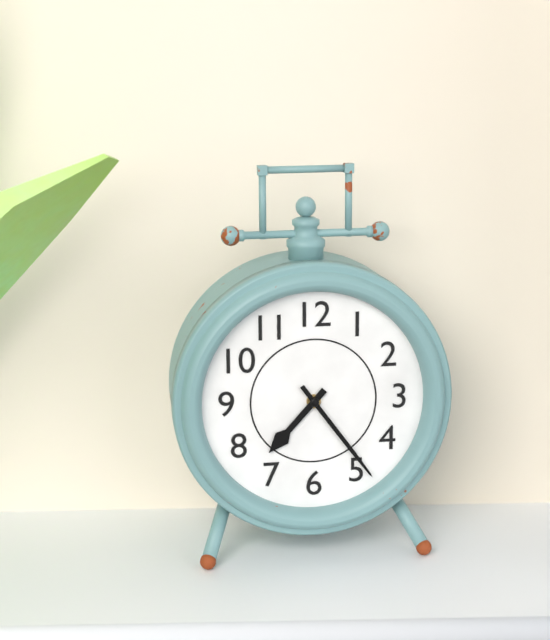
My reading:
7:24
